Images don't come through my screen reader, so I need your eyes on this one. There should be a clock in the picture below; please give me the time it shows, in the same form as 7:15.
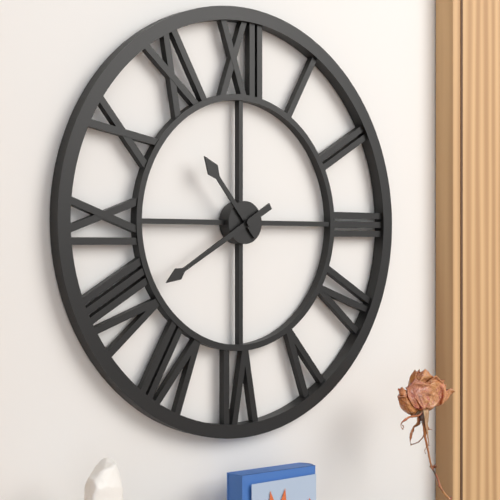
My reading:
10:40
